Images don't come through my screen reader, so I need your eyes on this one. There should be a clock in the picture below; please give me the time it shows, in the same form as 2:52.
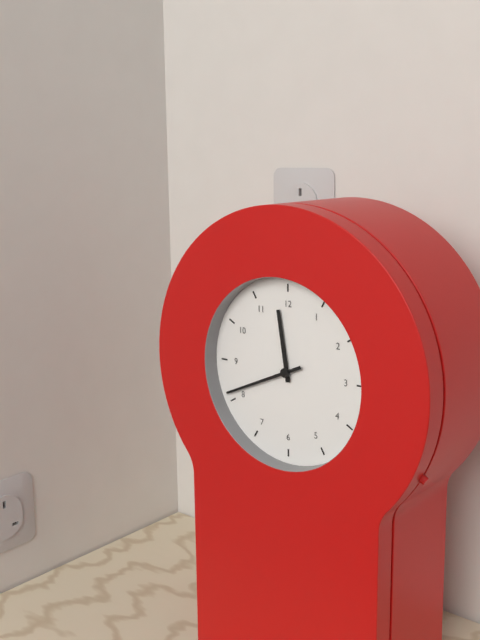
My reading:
11:41
